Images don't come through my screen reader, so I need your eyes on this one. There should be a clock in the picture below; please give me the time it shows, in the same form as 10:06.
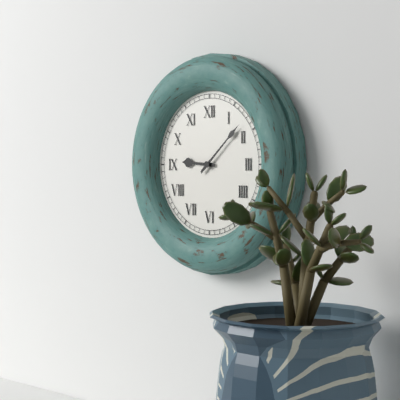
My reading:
9:08
